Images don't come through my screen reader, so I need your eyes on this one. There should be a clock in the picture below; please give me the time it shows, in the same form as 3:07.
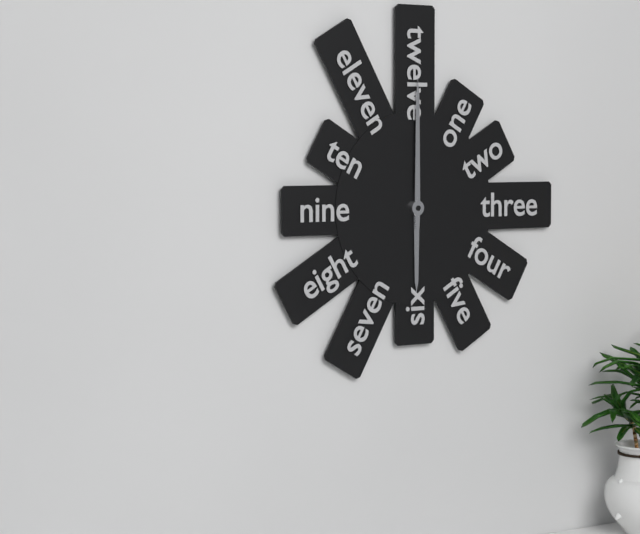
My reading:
6:00
